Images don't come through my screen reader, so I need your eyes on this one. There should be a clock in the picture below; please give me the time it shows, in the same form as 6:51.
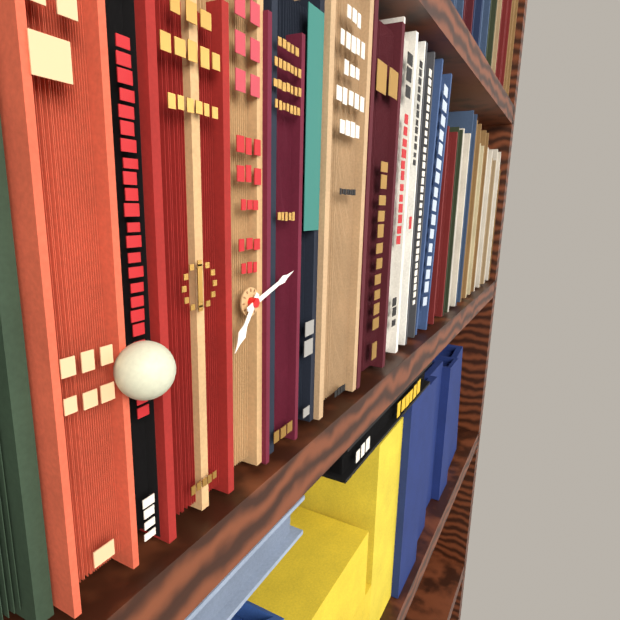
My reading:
7:12
